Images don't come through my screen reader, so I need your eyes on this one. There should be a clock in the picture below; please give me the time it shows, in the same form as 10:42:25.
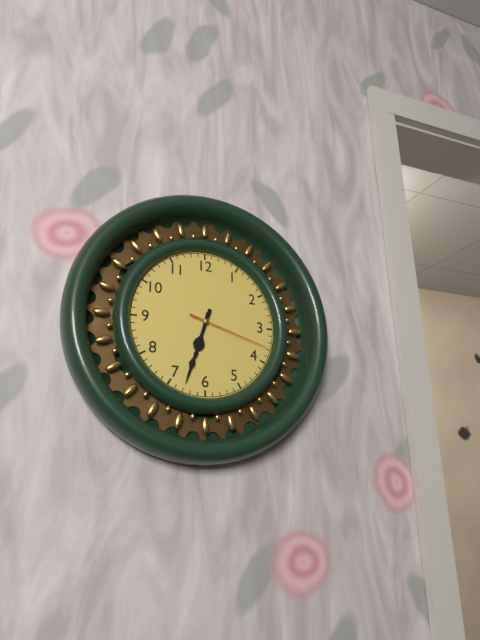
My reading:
6:33:18
